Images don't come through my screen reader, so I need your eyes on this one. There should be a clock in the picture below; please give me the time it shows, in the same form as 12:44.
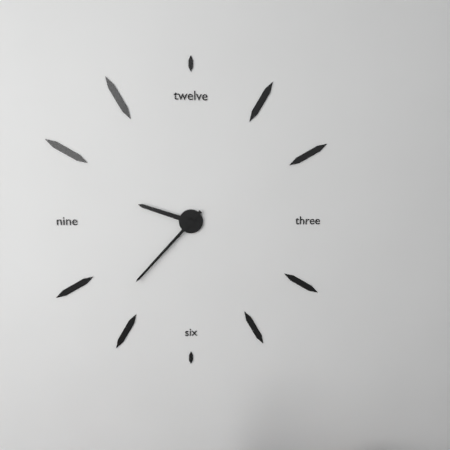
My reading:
9:37
